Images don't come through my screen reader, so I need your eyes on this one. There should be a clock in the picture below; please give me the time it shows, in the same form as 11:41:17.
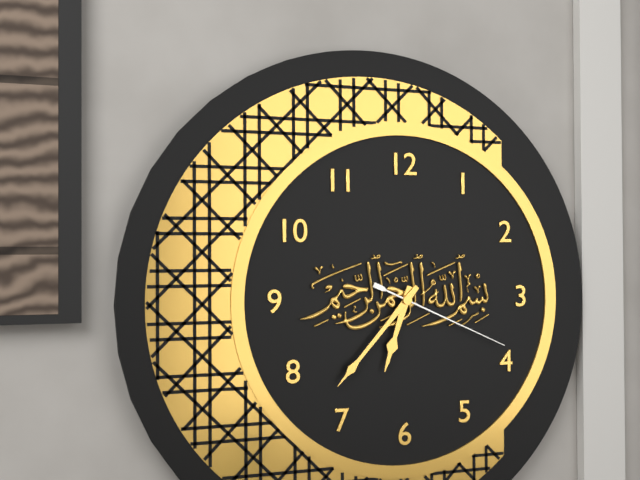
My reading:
6:37:19
